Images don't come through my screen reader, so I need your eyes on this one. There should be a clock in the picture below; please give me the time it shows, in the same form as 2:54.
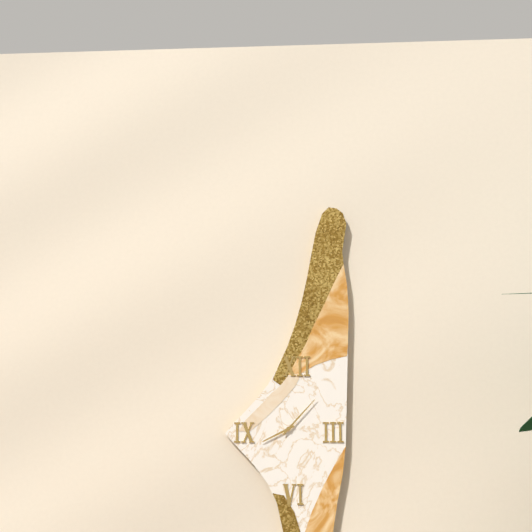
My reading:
8:07
